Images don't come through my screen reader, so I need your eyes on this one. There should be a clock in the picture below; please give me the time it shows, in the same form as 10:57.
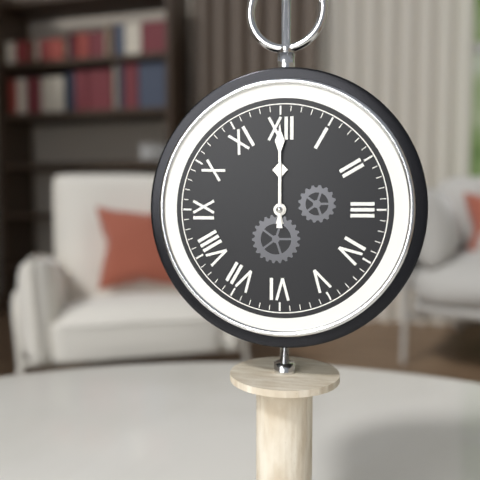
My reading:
12:00
